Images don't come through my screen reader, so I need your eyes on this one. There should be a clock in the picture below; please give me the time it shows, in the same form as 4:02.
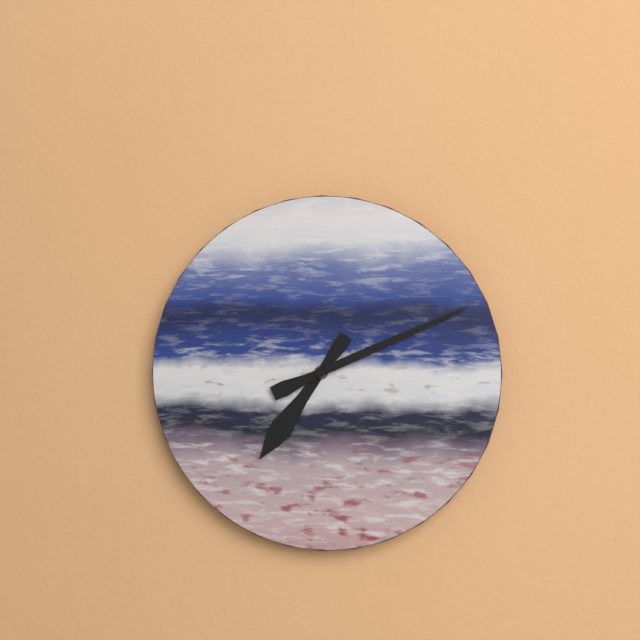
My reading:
7:11
